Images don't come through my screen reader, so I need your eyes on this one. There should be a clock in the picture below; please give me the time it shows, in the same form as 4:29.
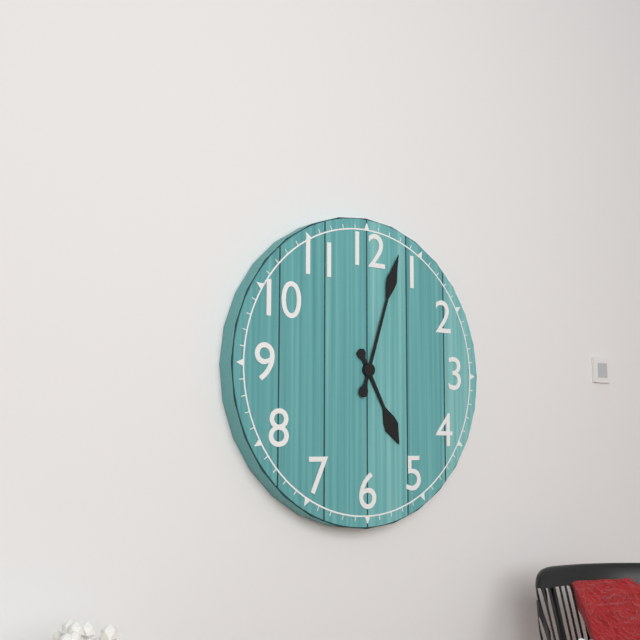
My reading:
5:03
